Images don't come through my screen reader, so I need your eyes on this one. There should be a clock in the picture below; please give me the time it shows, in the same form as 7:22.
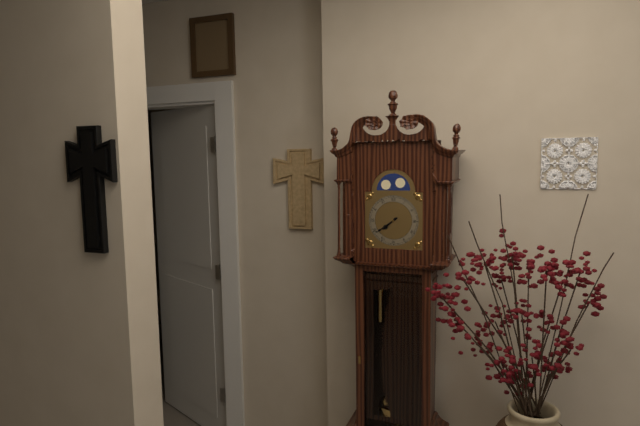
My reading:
7:39
